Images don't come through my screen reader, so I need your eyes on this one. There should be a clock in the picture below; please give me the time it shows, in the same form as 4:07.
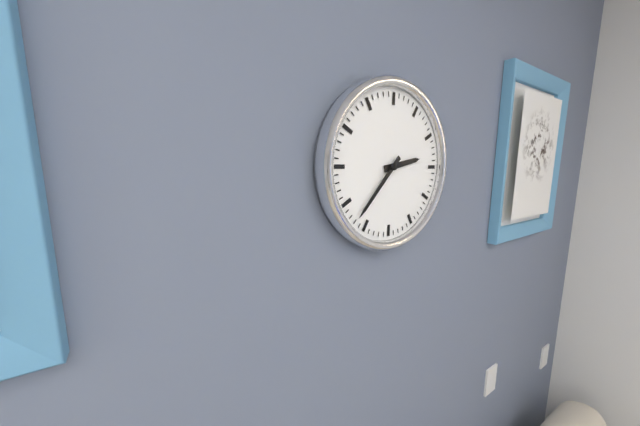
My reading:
2:37
